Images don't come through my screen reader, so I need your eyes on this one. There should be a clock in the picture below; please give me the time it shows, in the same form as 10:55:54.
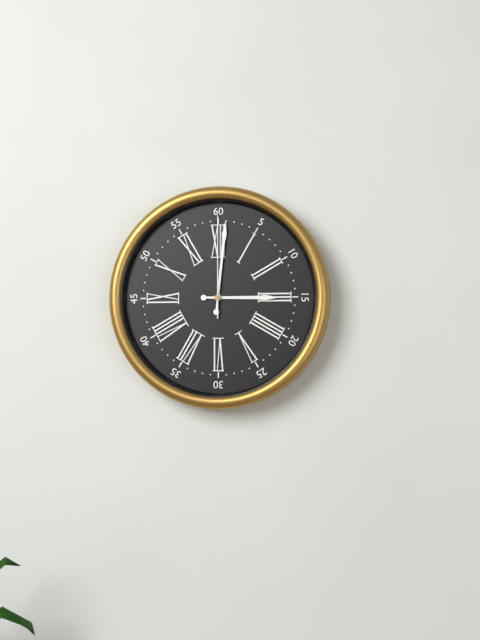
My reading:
3:01:00
